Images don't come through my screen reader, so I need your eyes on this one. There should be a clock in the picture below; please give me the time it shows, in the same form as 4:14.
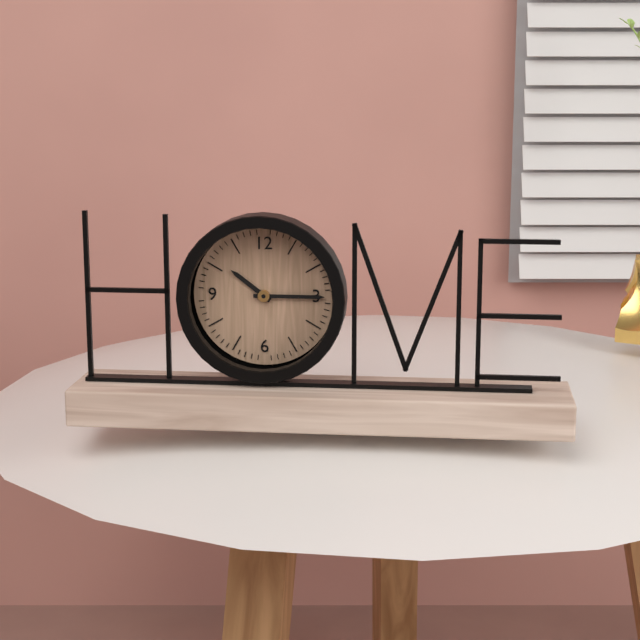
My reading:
10:15
